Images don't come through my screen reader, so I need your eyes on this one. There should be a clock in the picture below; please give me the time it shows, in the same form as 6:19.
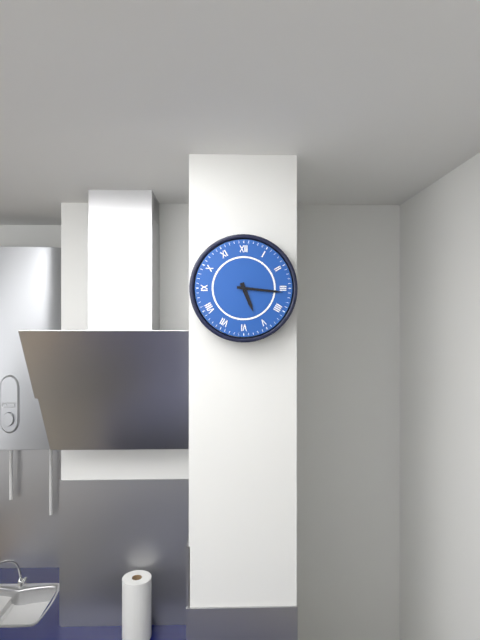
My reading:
5:16
